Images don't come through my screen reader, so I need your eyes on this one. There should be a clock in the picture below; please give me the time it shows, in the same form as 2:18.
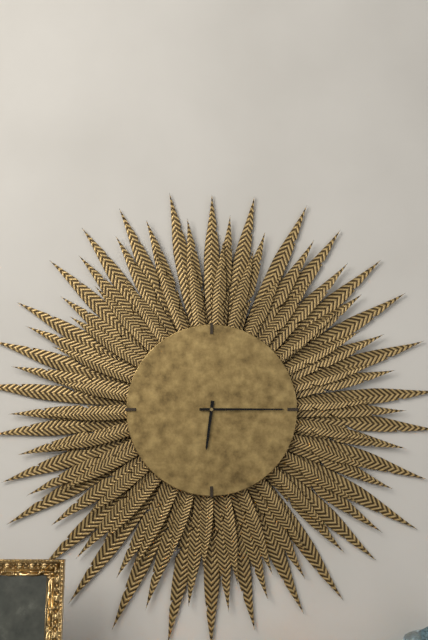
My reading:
6:15
